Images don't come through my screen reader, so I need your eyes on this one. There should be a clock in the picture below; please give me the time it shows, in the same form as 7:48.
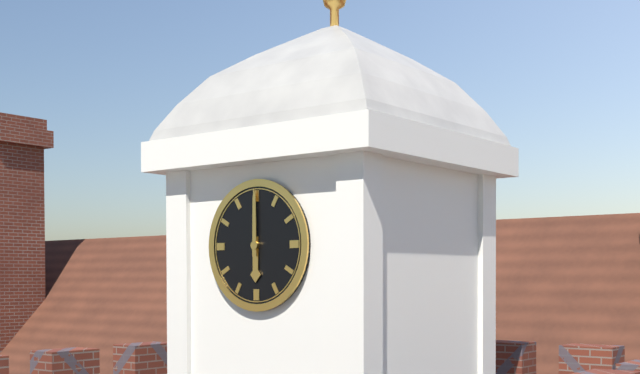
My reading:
6:00
